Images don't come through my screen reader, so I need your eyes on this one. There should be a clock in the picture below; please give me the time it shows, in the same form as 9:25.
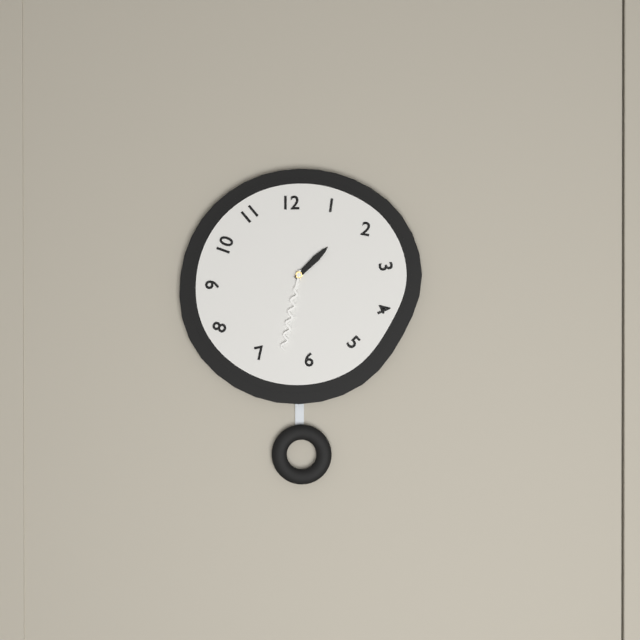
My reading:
1:32
